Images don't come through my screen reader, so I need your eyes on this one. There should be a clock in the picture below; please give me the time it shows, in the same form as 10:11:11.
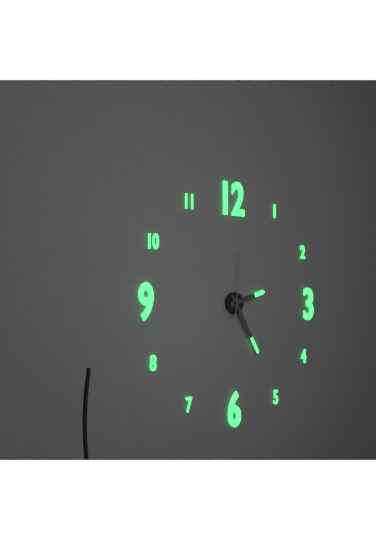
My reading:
2:25:01
